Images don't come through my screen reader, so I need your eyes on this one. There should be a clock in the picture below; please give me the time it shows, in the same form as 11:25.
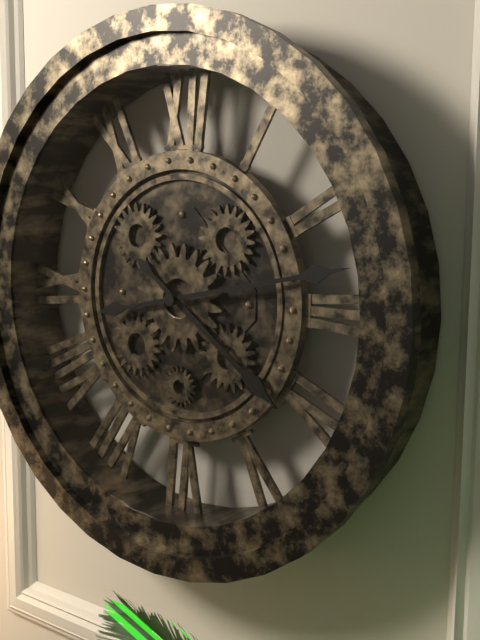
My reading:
4:13
